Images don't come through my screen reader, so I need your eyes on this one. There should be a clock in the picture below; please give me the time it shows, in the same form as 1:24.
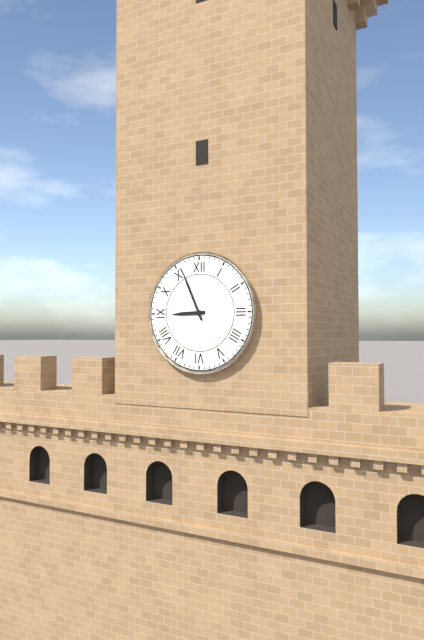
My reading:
8:56
